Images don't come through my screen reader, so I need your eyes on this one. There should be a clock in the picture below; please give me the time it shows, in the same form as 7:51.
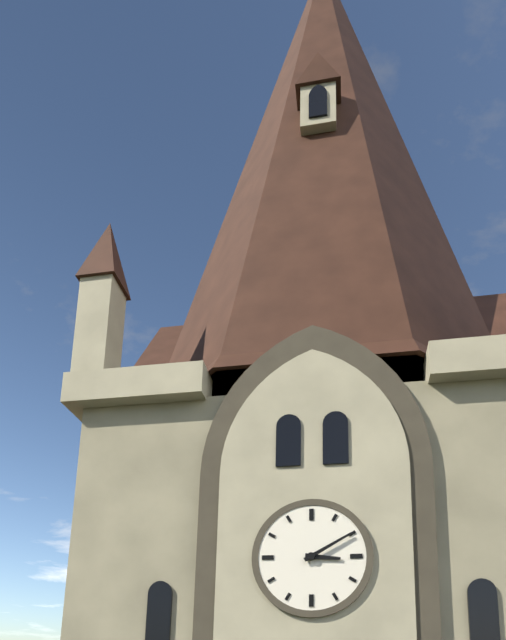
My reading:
3:10
